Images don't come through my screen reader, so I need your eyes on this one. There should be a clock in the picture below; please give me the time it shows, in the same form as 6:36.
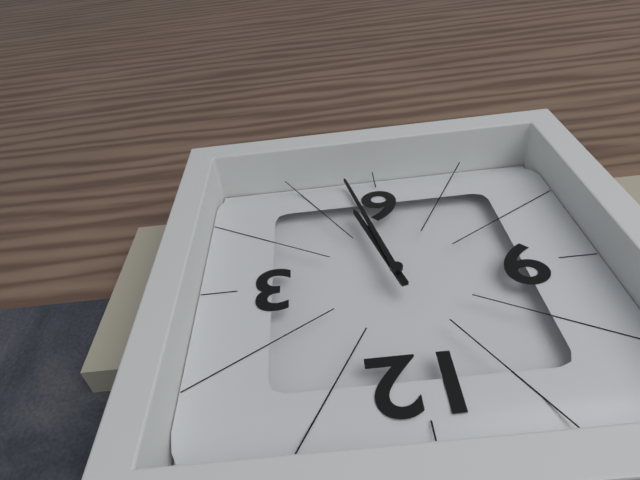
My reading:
5:28
